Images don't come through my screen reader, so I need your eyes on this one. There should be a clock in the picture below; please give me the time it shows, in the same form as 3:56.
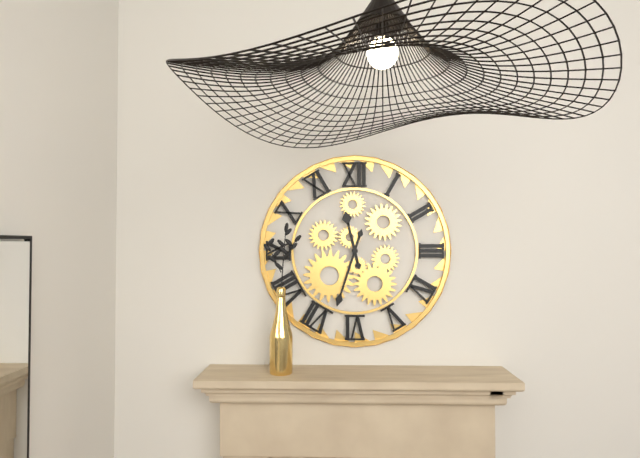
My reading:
11:33
